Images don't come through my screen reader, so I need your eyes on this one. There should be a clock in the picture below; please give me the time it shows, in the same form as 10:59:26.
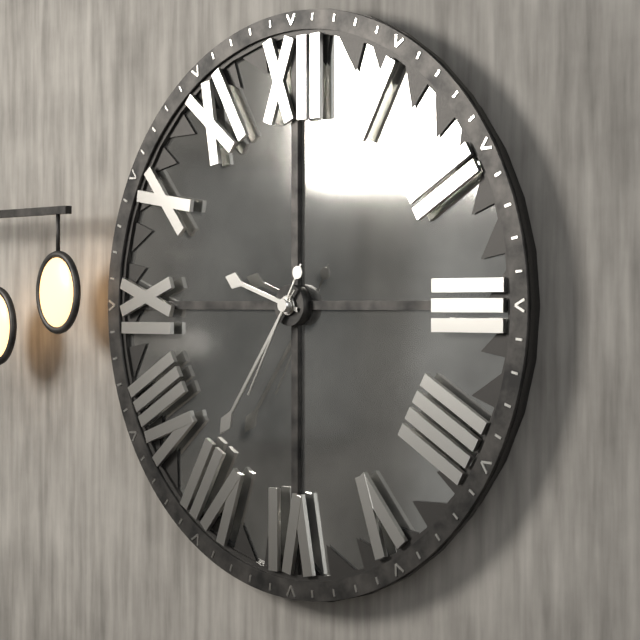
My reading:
9:36:35
